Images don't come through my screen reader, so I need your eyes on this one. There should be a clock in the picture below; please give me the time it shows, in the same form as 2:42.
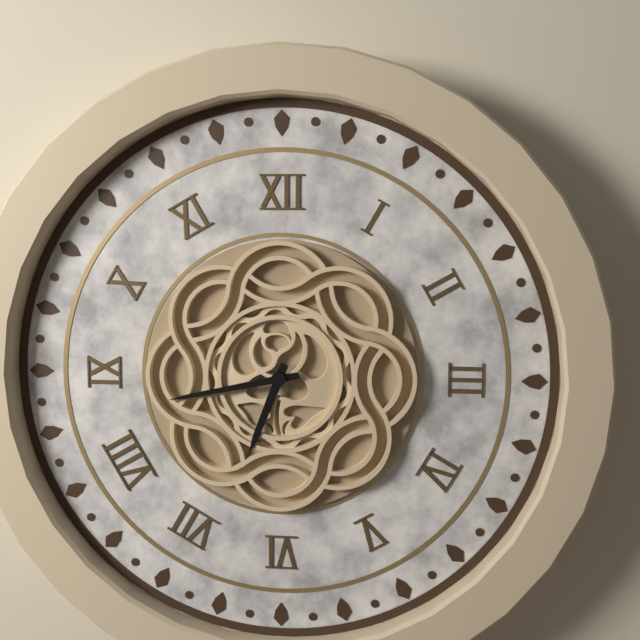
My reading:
6:43
